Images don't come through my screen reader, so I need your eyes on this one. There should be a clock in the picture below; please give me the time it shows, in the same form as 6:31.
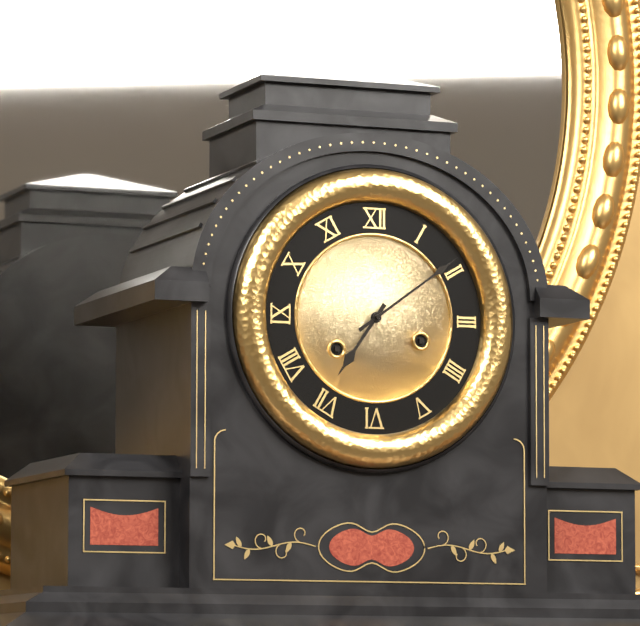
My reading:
7:09
